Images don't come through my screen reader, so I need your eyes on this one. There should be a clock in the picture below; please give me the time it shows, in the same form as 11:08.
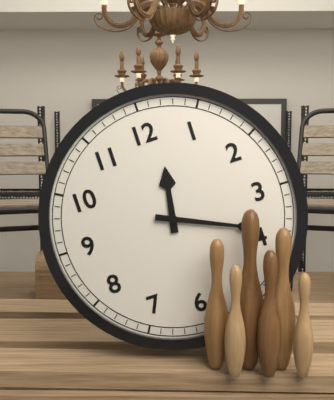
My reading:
12:19
